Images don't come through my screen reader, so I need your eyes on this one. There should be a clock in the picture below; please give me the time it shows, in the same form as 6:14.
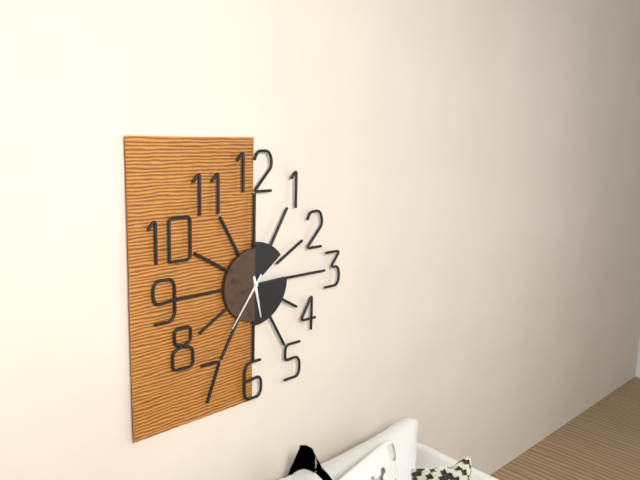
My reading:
5:36
